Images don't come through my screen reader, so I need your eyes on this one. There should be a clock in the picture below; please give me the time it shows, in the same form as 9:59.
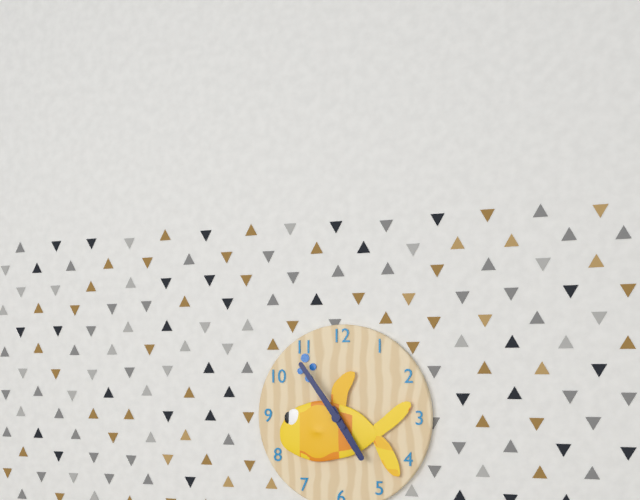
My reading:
4:54
